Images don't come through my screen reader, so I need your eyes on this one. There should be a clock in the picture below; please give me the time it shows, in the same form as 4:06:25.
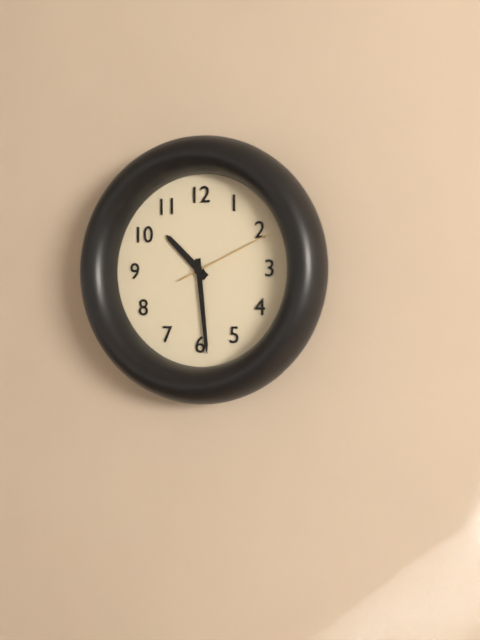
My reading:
10:29:11
